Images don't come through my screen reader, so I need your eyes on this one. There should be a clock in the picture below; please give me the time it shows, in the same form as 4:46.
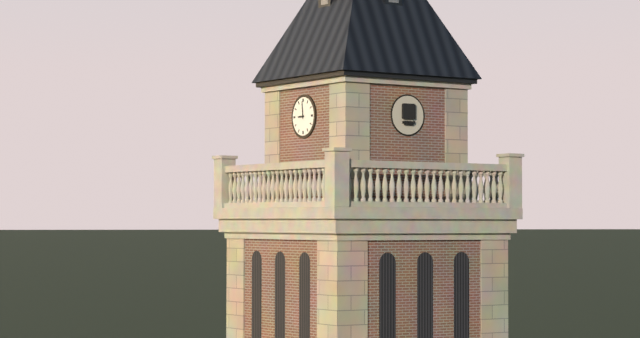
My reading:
8:59
